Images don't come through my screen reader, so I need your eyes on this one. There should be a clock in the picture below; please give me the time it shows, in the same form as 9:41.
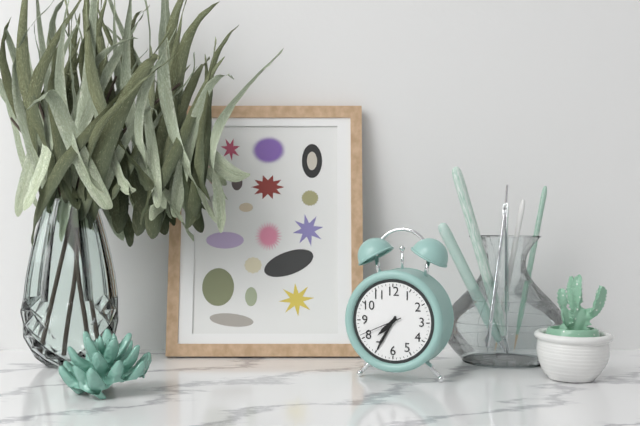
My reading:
7:35
